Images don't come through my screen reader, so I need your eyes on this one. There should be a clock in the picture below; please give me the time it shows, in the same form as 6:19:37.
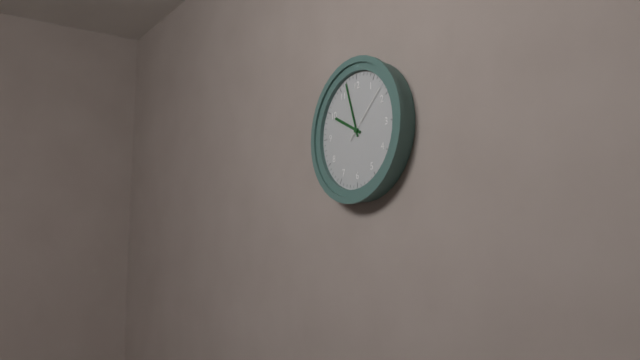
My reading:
9:57:08
